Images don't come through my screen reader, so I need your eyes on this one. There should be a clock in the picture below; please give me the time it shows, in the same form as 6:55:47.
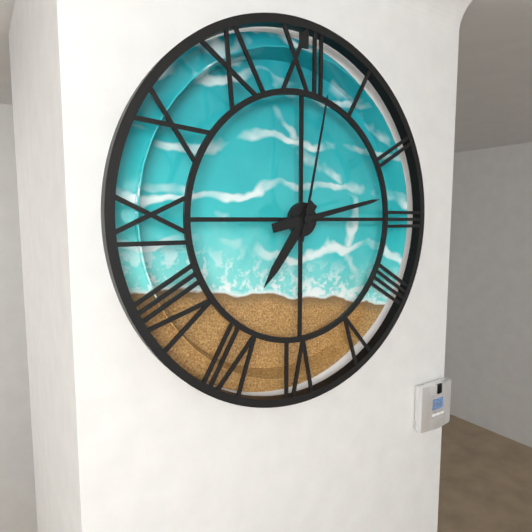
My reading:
7:13:02
